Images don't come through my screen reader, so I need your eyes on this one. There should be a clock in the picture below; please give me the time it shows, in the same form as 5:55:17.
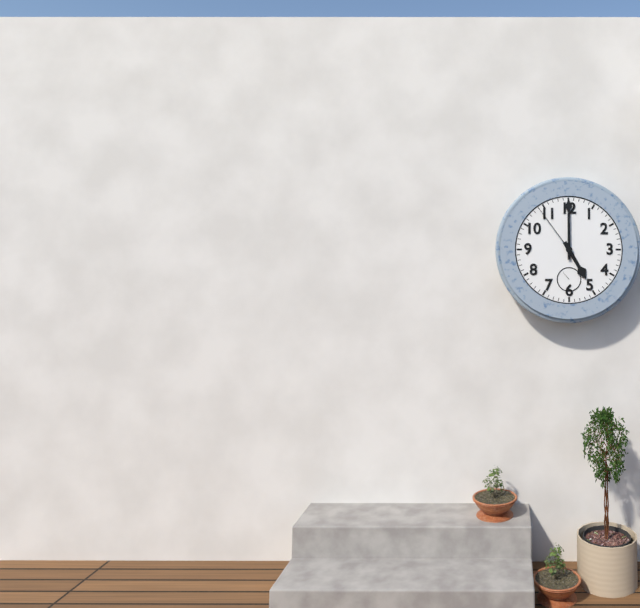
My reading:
5:00:54
